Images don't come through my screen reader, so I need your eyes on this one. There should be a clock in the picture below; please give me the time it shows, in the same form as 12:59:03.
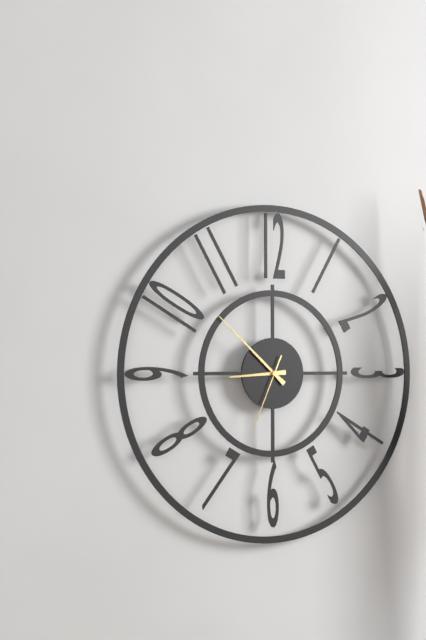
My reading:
8:52:34
